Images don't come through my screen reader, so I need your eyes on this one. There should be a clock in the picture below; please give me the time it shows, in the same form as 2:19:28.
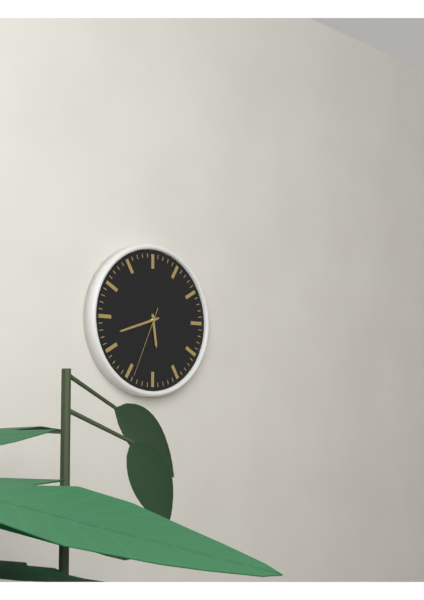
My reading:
5:42:34
